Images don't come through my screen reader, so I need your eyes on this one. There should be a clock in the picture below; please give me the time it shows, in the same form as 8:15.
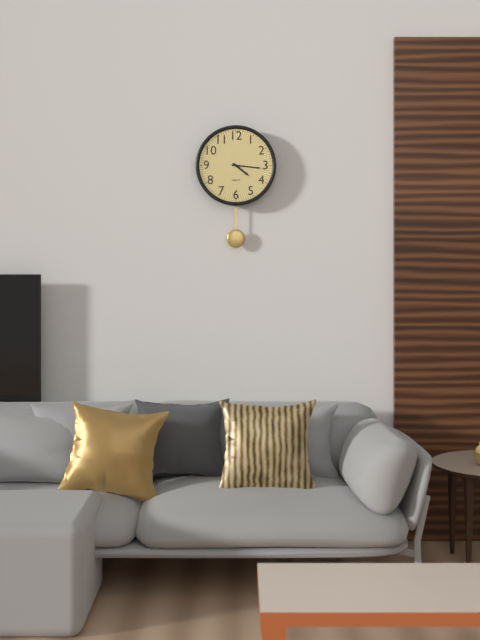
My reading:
4:16
